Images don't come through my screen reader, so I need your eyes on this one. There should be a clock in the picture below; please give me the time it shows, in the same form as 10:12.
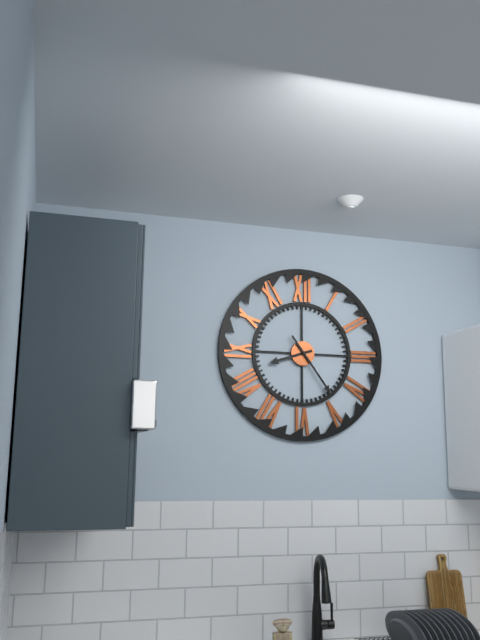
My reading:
8:24
